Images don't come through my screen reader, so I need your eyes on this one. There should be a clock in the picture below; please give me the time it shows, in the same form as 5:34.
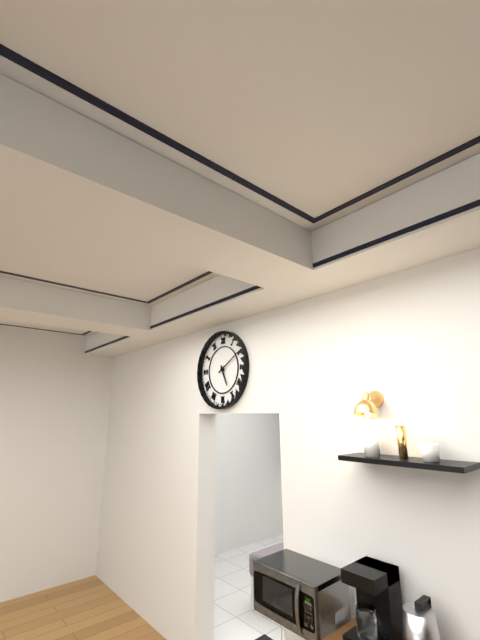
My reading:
5:10
